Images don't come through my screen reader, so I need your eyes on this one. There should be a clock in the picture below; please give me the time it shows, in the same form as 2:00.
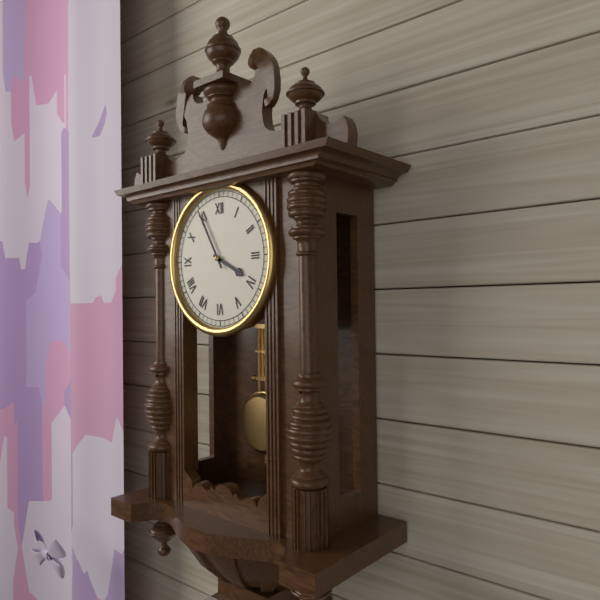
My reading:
3:55
